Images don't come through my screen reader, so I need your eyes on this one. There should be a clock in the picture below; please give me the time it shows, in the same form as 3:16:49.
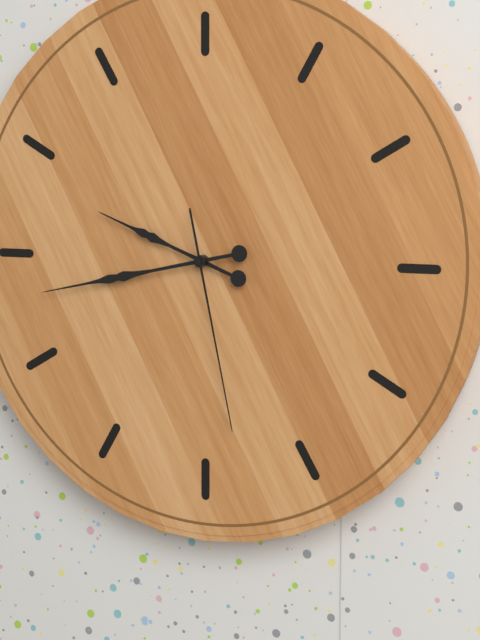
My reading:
9:43:28
